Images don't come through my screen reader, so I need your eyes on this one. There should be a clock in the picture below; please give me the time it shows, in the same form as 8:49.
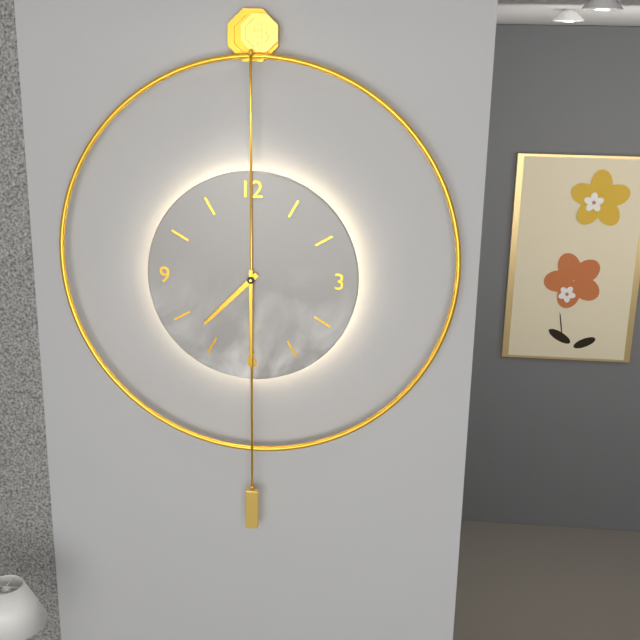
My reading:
7:30
